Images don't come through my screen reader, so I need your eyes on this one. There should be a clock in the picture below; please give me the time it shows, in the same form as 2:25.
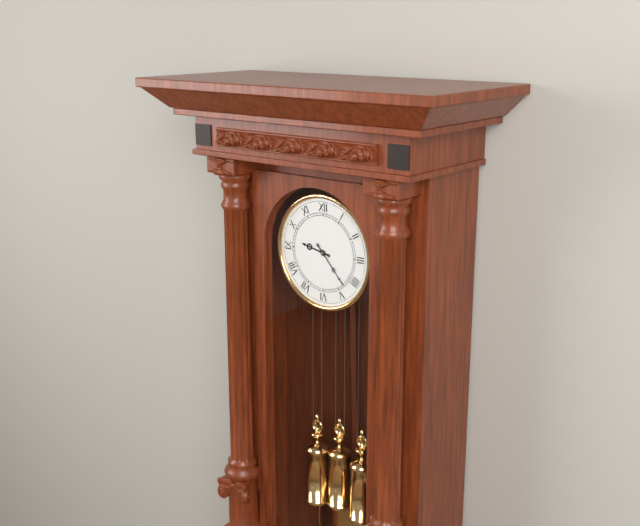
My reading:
9:23
